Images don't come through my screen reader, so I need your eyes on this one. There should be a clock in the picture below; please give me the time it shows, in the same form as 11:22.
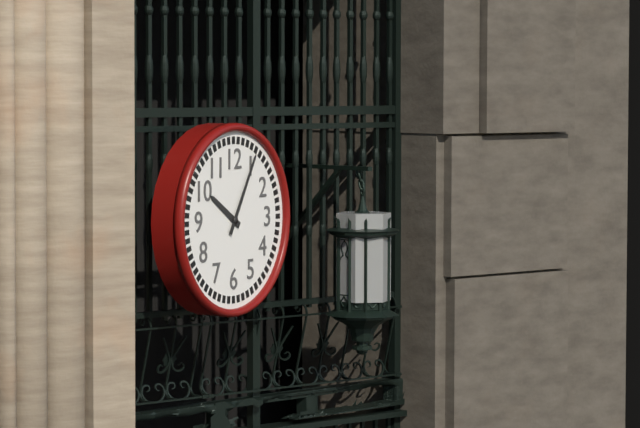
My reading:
10:05
